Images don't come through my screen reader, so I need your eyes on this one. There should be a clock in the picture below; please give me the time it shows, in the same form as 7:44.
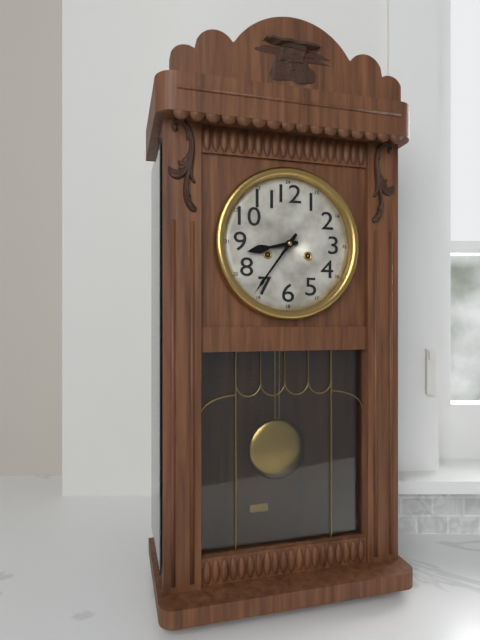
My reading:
8:36
